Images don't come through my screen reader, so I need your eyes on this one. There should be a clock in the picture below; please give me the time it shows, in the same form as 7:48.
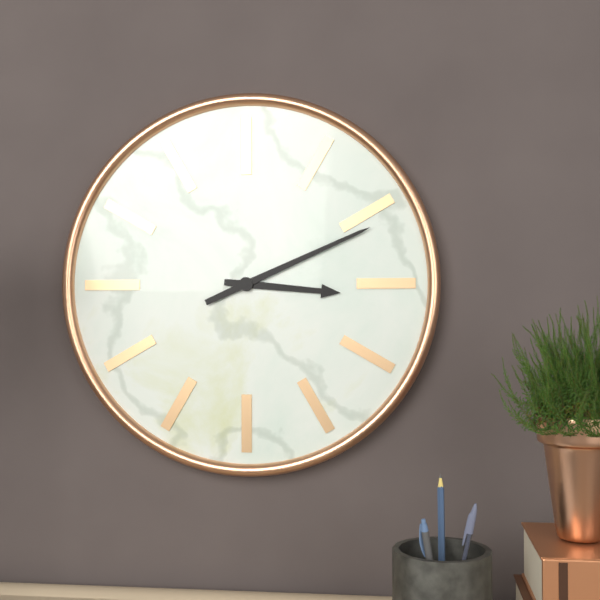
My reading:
3:11
